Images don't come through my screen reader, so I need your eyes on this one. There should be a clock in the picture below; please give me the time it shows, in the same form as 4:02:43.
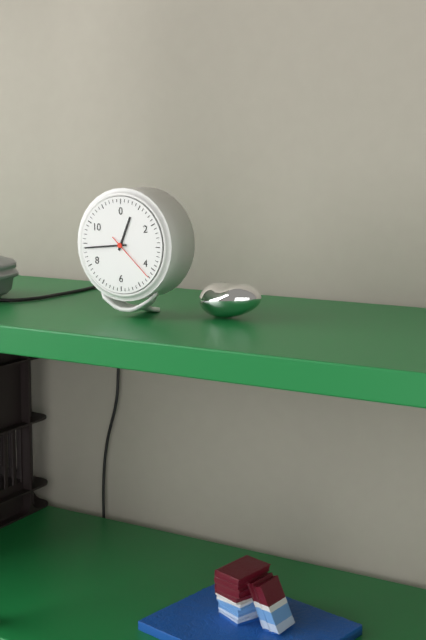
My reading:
12:44:22
